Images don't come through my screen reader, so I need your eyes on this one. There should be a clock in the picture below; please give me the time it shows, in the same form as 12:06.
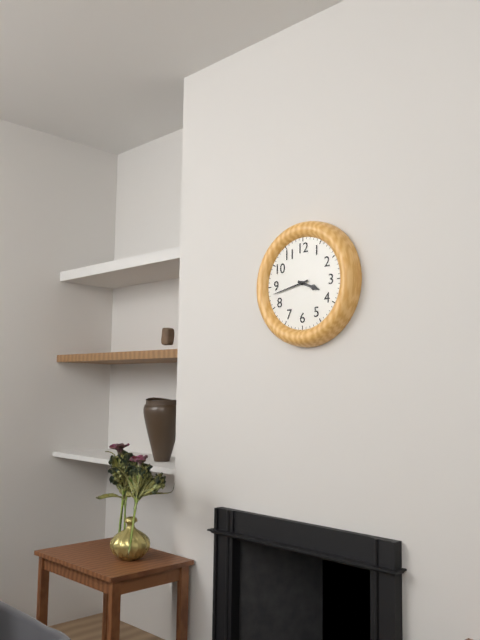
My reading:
3:43
